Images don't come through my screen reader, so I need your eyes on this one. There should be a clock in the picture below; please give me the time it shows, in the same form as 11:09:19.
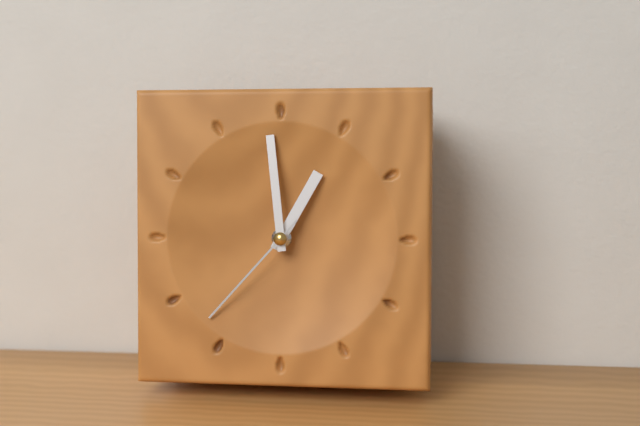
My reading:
12:59:37
